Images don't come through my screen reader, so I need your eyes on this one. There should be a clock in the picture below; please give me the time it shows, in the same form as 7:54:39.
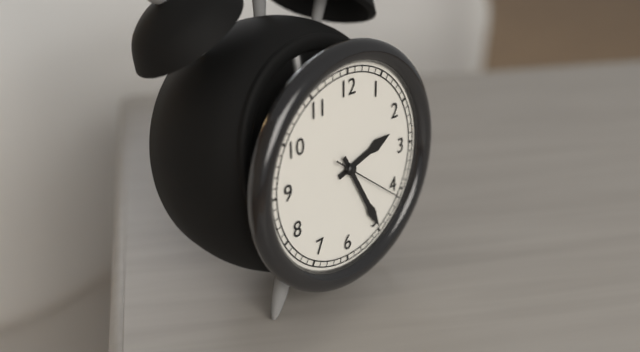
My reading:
2:25:21
